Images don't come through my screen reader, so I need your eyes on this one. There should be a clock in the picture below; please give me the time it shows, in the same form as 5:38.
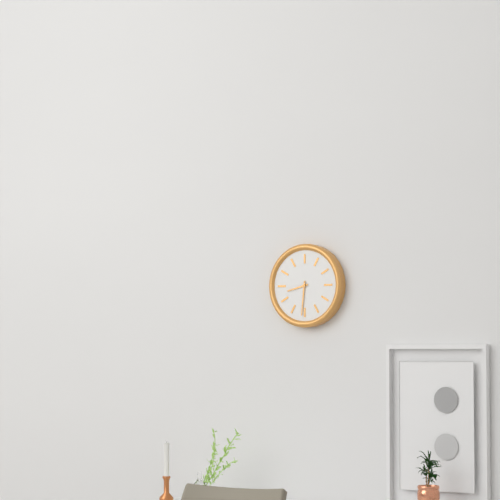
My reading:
8:31
